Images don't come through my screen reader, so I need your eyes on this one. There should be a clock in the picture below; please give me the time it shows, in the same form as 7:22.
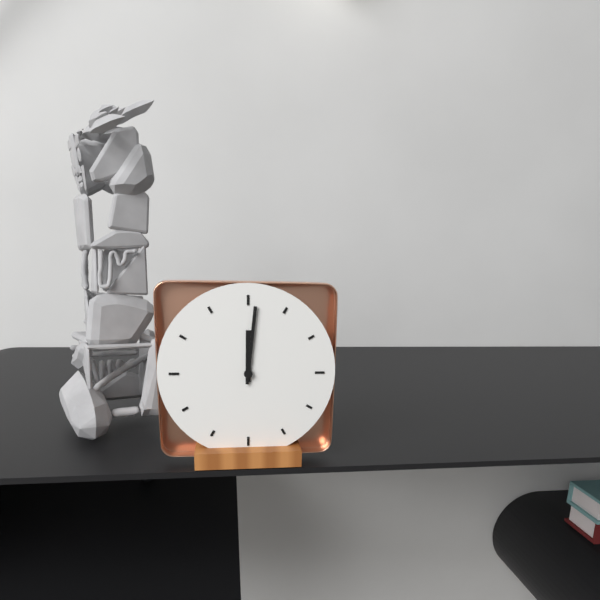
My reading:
12:01
